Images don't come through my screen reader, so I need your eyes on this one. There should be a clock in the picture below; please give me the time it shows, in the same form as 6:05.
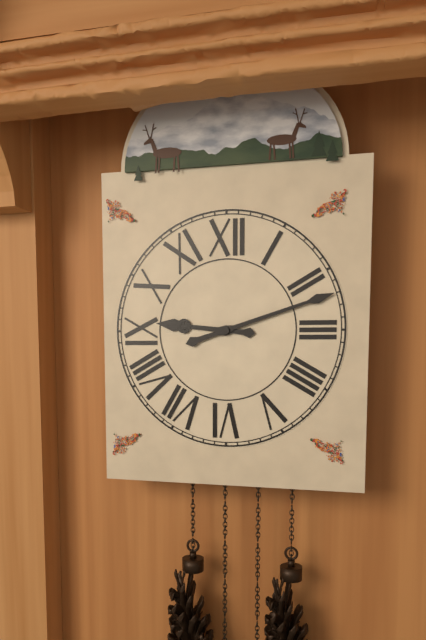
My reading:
9:12
